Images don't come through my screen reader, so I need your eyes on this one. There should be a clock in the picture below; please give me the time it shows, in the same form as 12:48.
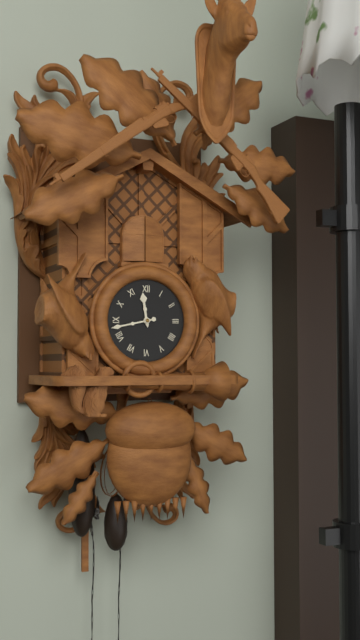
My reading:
11:43
